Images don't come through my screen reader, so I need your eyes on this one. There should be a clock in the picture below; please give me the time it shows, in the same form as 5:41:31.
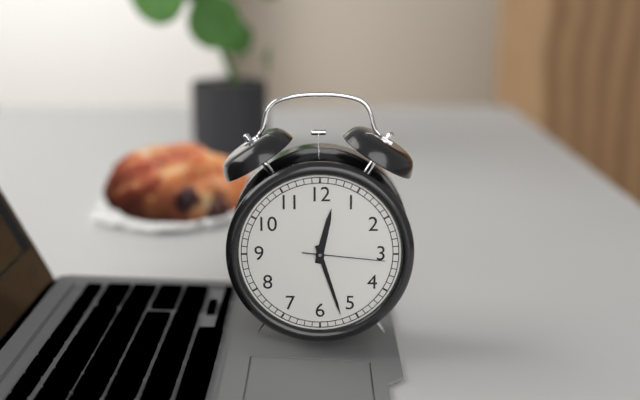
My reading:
12:27:16
